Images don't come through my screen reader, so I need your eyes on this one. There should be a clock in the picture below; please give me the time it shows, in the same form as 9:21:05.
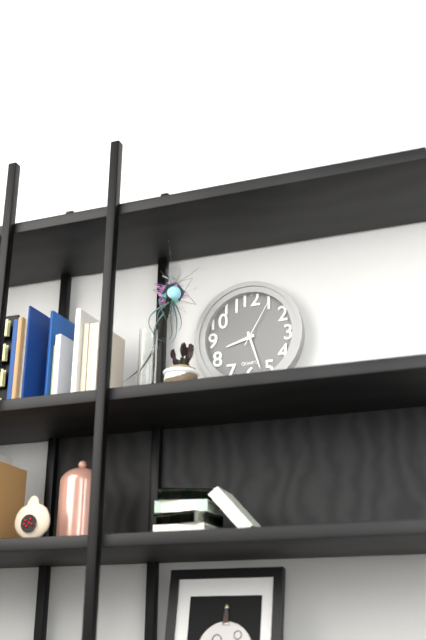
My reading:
8:27:05
